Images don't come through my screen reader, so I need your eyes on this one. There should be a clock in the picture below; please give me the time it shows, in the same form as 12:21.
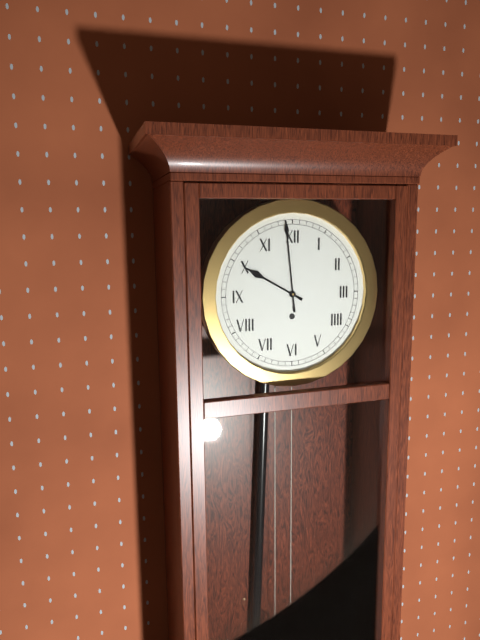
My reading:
9:59
